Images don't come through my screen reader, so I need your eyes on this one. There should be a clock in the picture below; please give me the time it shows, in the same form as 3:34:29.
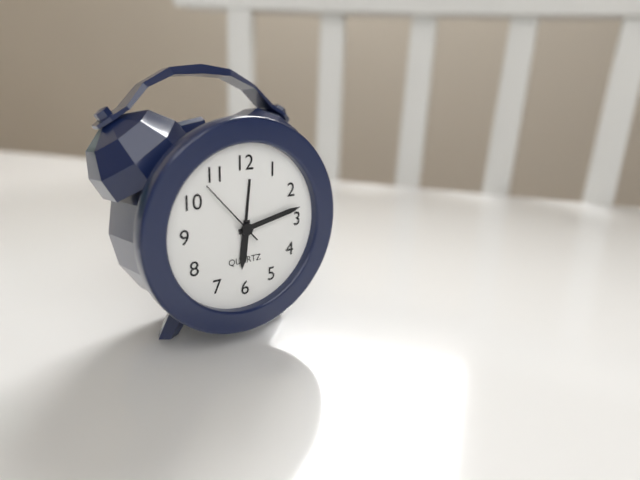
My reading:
6:13:53
